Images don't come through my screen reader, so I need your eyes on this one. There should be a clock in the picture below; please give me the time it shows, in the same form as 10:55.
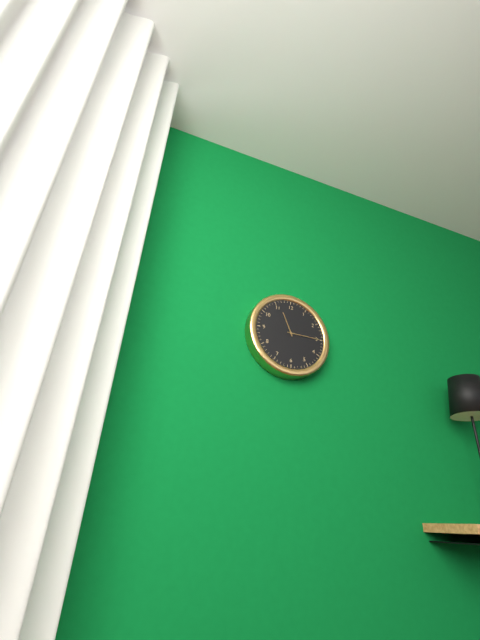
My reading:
11:15
